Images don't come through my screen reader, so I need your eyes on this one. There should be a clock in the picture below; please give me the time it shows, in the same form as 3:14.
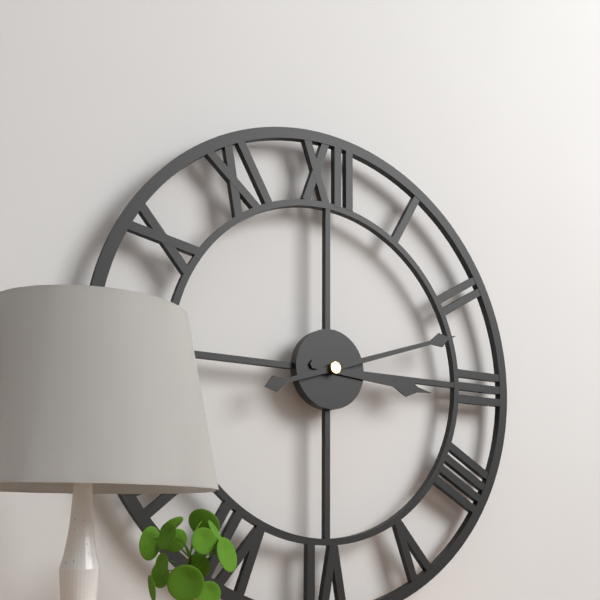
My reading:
3:12
